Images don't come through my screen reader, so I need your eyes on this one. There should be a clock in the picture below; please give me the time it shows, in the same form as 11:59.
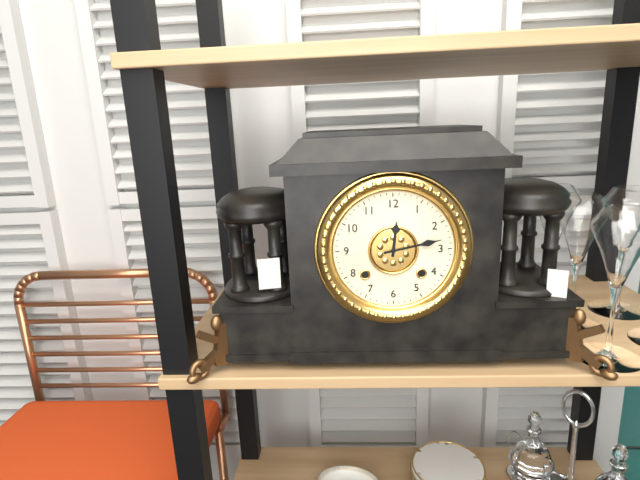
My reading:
12:13
